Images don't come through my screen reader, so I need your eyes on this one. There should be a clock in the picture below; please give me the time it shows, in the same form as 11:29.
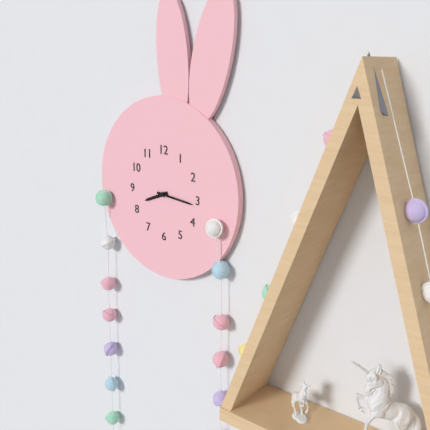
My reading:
8:16
